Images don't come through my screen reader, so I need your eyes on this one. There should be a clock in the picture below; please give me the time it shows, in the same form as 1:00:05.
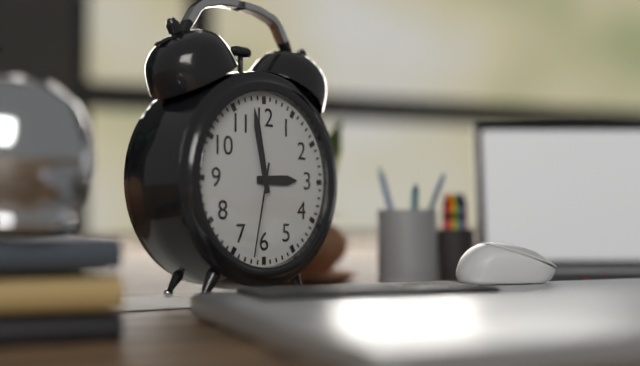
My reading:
2:58:32
